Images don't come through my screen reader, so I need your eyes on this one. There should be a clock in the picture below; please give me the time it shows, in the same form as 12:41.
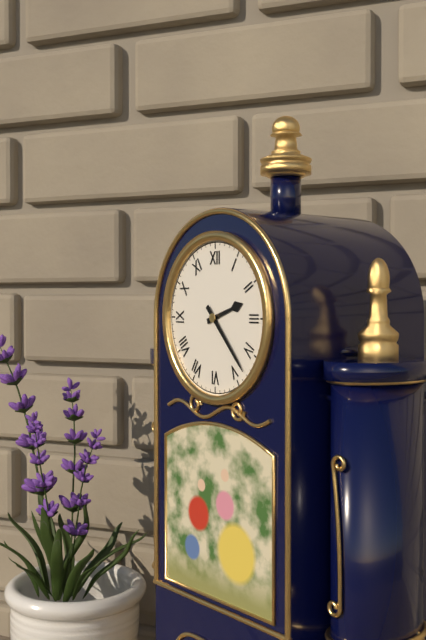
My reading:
2:23
